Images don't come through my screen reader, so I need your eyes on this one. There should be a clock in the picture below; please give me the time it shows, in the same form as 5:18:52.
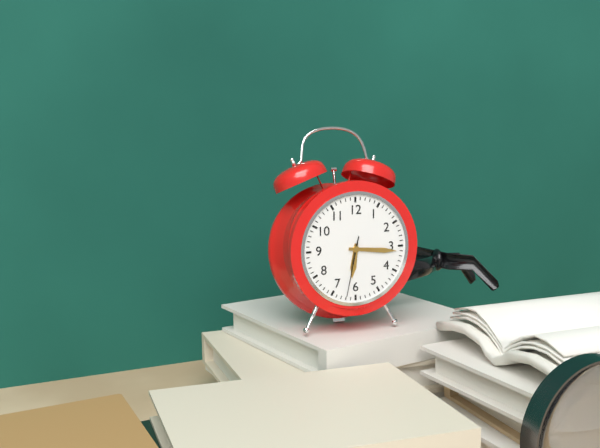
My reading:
6:16:32
